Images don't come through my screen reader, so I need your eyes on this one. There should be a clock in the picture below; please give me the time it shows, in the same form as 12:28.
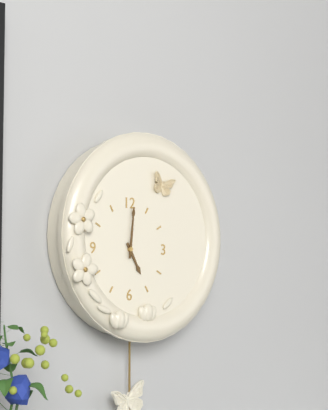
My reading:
5:01
